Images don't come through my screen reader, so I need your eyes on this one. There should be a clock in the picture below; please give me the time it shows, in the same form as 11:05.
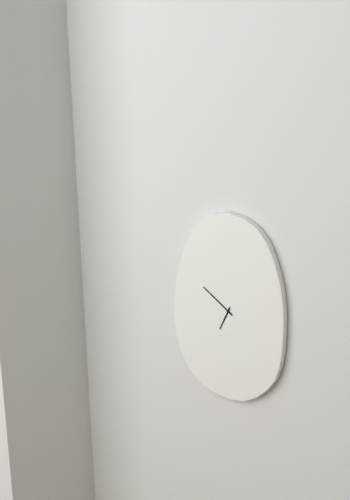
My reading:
6:51
